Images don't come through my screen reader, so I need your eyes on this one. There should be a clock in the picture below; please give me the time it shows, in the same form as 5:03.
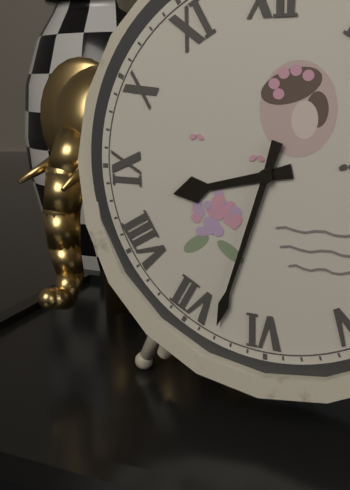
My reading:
8:33
